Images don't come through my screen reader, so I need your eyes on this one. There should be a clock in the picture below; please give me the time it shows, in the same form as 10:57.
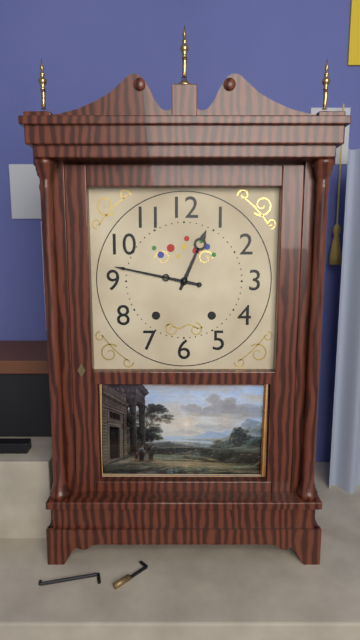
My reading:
12:47
